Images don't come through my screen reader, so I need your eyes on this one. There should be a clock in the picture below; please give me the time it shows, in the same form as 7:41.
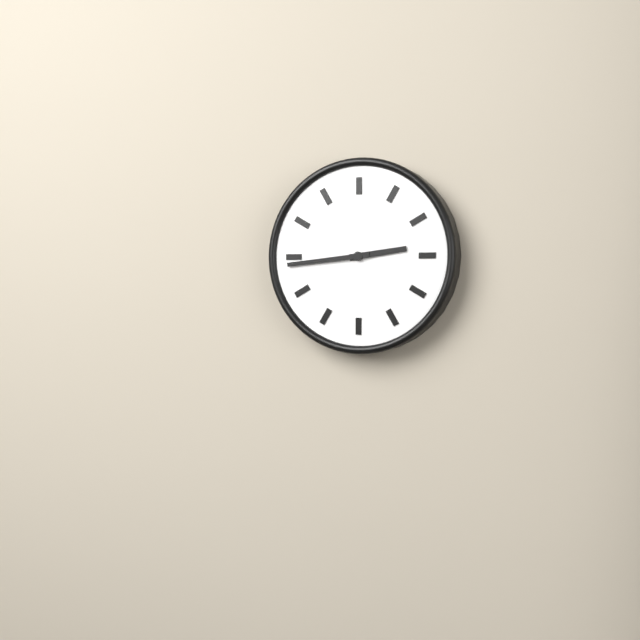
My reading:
2:44
